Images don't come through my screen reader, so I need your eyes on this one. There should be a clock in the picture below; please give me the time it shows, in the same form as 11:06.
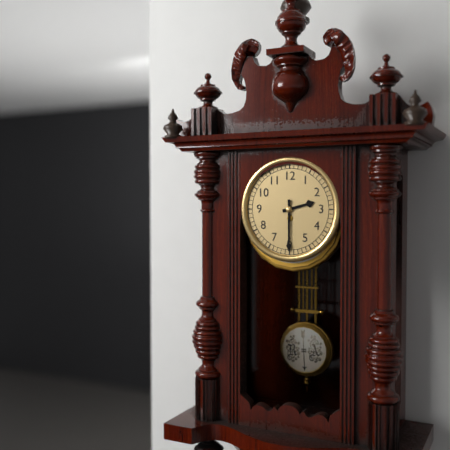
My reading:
2:30
